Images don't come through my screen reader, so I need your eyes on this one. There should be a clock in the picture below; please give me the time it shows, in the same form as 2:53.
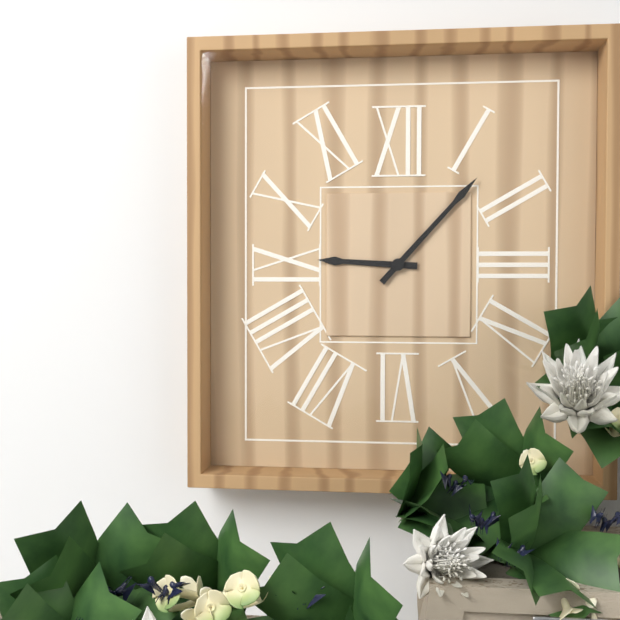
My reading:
9:07
